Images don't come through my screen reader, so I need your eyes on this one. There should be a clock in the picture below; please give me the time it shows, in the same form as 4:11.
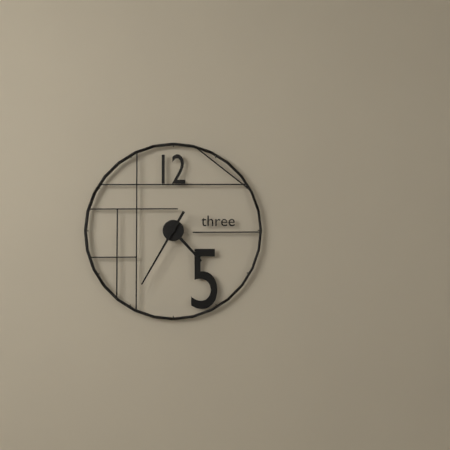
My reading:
4:35
